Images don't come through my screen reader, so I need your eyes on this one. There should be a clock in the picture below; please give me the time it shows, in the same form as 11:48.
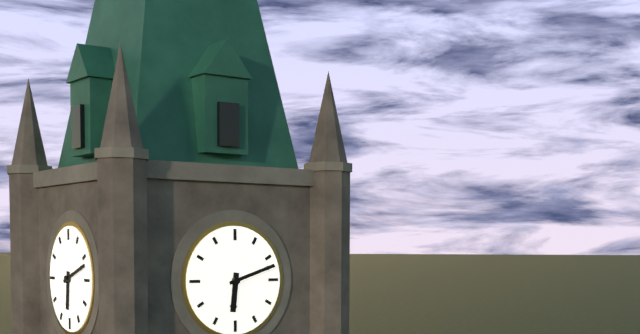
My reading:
6:12
